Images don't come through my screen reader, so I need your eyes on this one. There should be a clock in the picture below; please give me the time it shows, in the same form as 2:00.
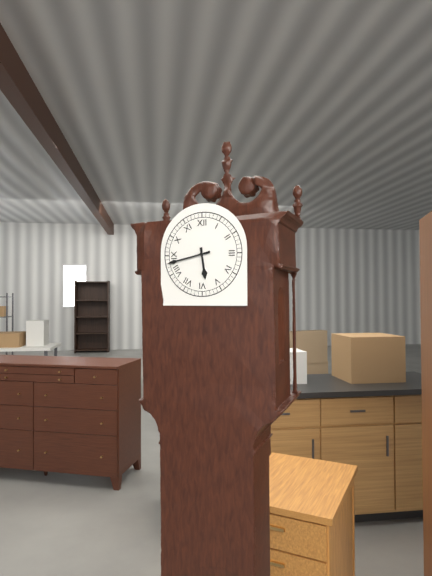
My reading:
5:43
